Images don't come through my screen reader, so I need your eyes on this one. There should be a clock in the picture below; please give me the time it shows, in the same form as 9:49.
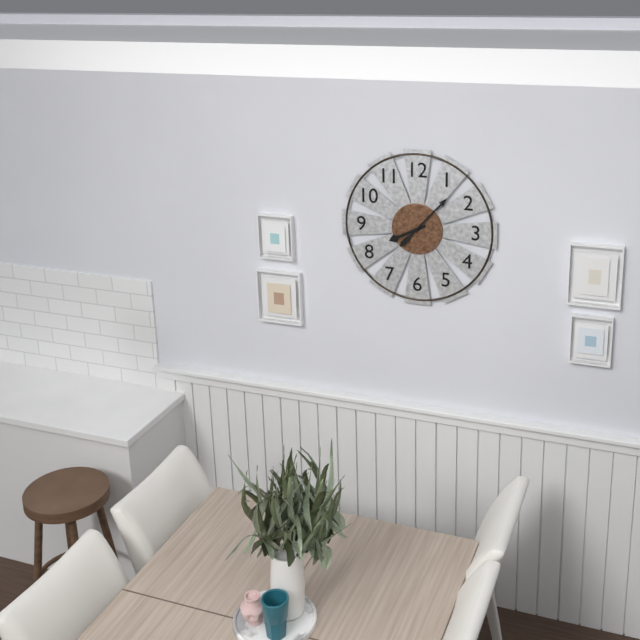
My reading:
8:07
